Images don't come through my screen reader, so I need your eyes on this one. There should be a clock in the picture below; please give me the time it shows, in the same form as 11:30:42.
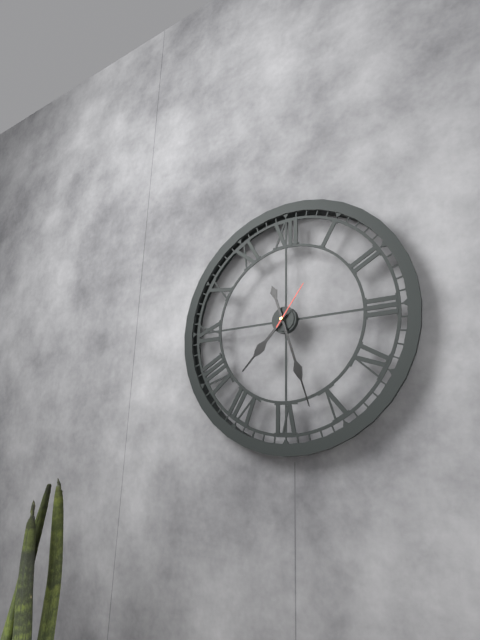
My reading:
7:27:06
